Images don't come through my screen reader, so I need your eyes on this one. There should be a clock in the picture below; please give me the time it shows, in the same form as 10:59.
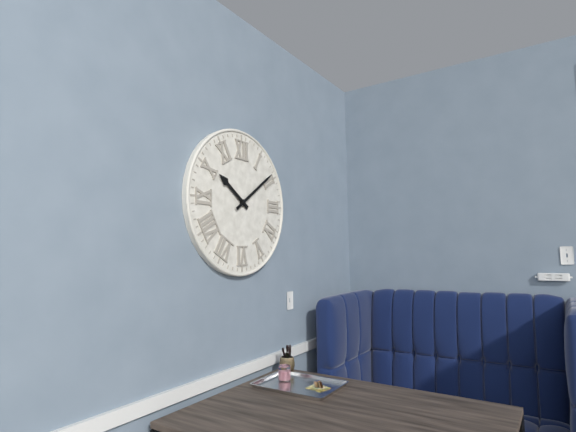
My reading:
10:09
